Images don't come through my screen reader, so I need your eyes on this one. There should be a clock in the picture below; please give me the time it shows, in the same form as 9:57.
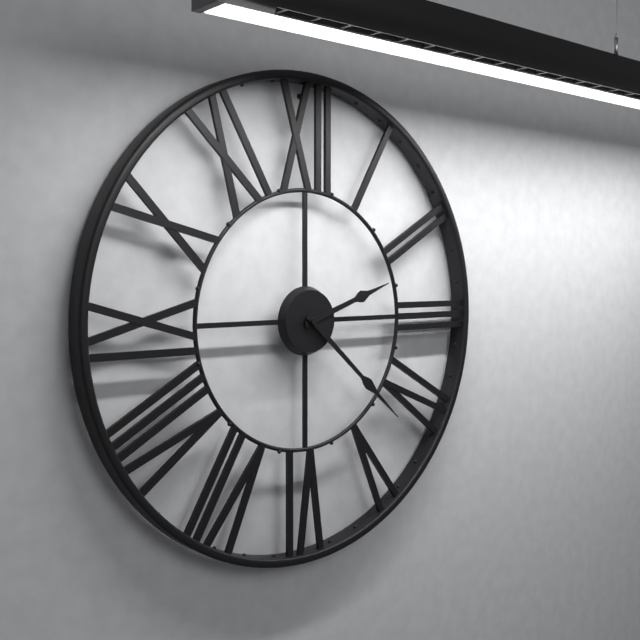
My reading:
2:22
